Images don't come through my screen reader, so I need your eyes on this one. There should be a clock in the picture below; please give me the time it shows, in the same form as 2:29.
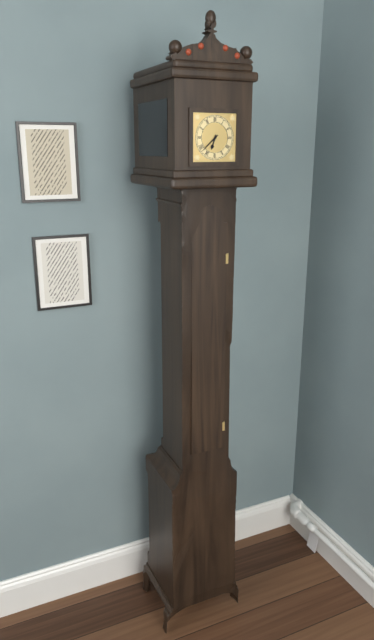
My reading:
6:38
